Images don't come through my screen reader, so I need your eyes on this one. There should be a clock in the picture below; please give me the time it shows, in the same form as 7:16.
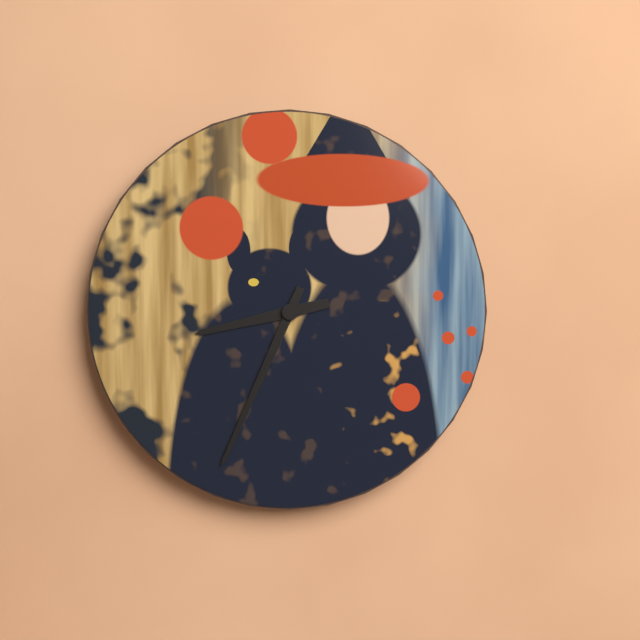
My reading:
8:34
